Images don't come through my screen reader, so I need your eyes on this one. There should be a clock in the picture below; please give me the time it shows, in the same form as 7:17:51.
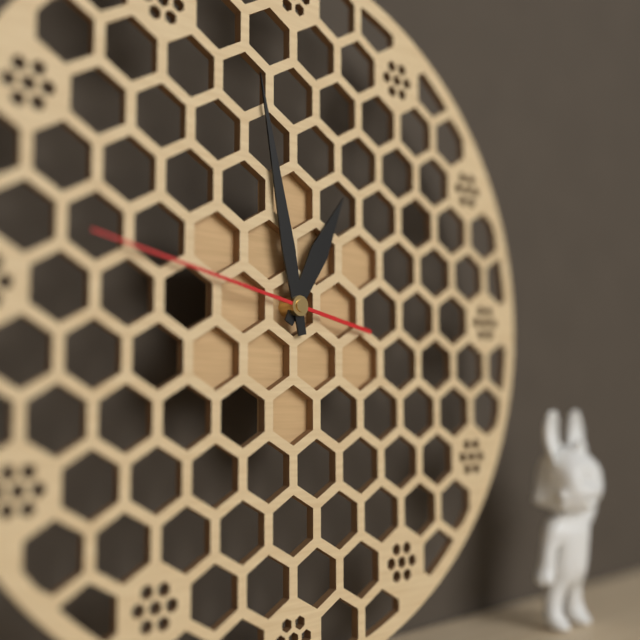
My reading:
12:58:47
